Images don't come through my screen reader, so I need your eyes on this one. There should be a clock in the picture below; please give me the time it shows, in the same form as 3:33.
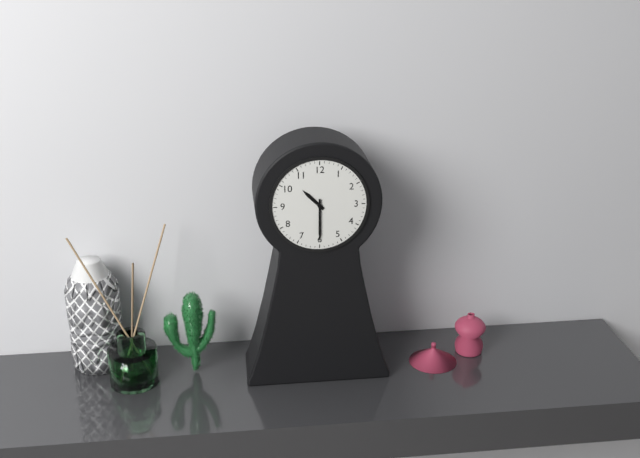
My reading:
10:30
